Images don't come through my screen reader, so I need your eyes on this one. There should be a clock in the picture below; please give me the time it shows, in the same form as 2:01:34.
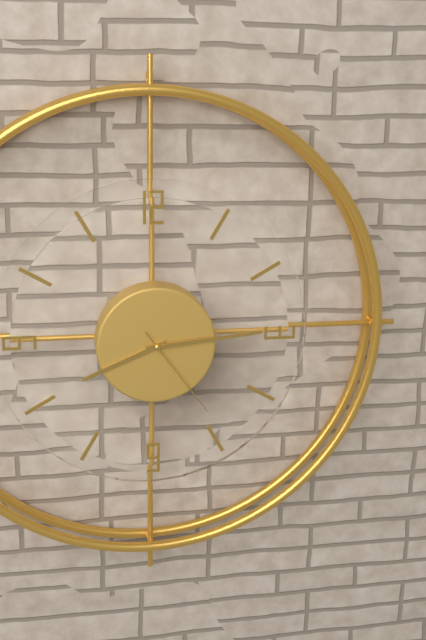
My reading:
8:14:24
